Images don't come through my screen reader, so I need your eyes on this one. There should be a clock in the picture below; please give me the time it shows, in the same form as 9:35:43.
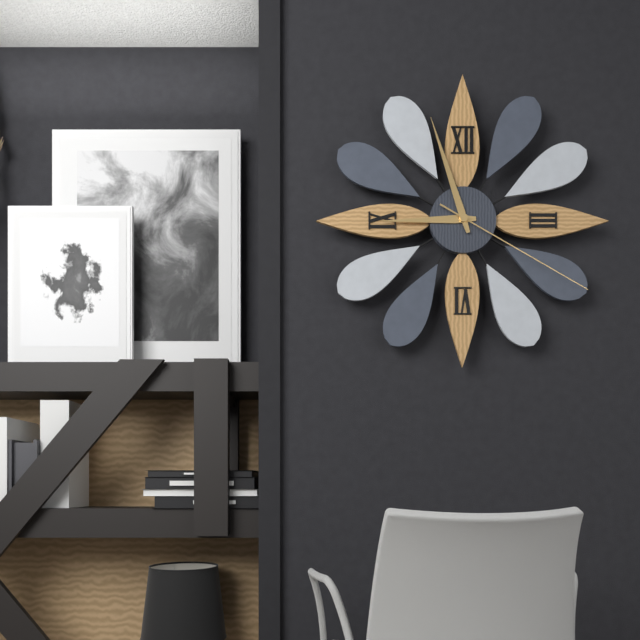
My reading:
8:57:20
